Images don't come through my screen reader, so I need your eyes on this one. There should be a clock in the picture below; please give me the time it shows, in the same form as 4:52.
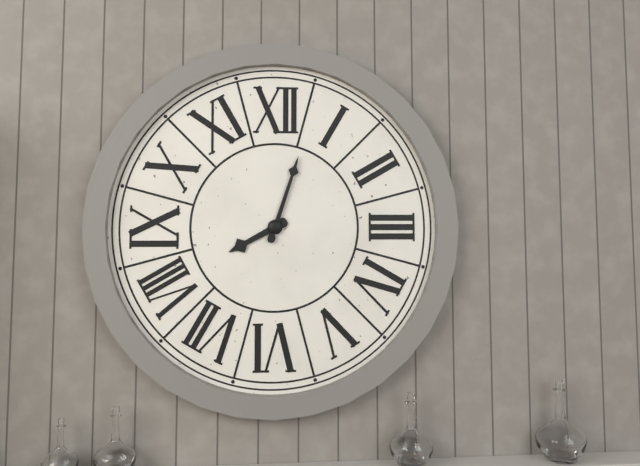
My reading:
8:03
